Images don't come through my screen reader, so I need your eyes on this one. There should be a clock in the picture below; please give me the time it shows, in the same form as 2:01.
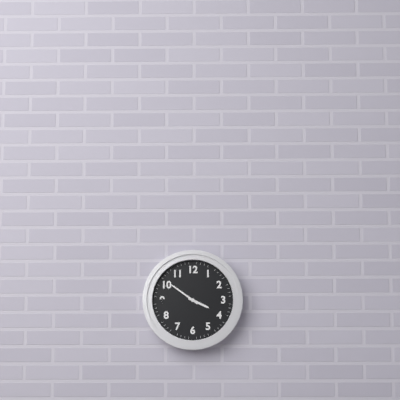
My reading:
3:51
